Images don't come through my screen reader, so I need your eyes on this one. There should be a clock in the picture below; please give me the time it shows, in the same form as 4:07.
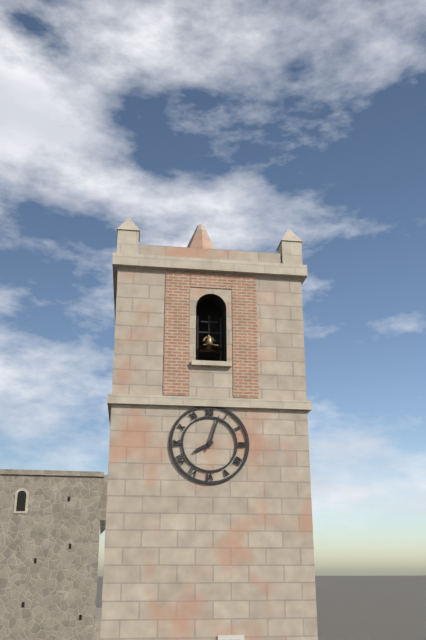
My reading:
8:03
